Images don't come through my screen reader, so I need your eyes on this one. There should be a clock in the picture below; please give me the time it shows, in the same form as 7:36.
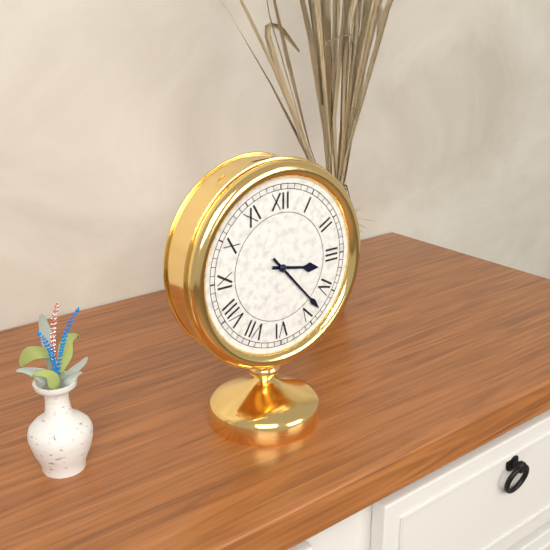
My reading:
3:23
